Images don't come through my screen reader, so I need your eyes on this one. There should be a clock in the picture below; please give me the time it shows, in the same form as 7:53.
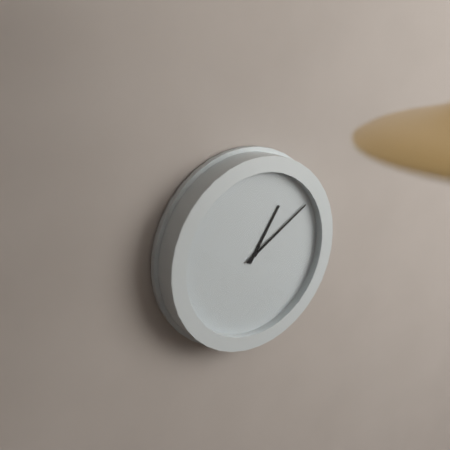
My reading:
1:10
